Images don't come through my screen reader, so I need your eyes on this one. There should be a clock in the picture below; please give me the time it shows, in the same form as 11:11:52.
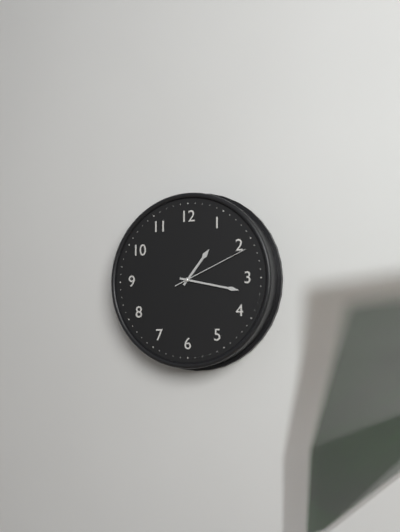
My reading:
1:17:11
